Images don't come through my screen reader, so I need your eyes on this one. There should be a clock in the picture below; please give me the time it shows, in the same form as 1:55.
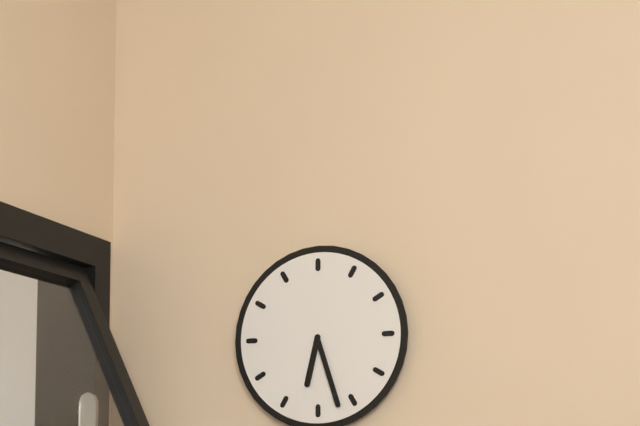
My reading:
6:27
